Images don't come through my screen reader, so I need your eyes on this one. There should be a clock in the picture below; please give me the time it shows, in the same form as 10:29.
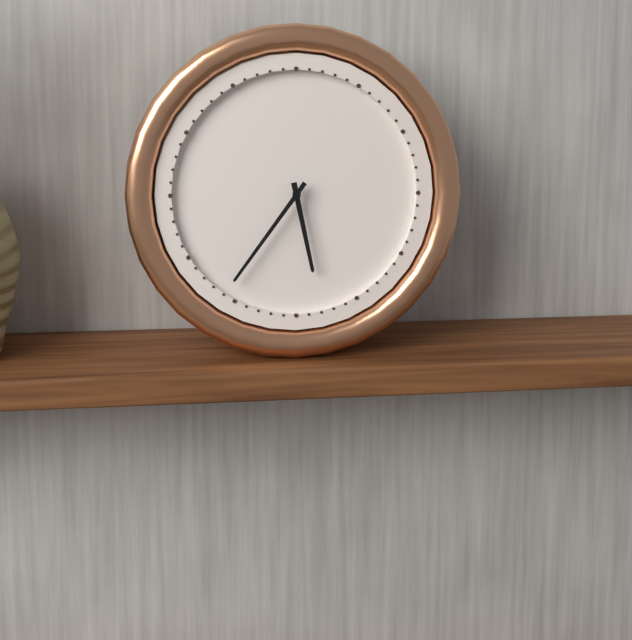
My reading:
5:36
